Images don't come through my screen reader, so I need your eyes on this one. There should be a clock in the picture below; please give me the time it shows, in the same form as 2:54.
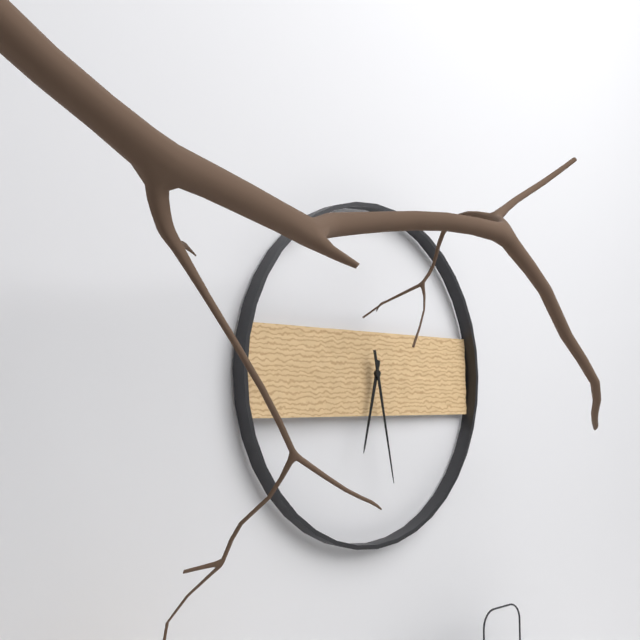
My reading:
6:28
